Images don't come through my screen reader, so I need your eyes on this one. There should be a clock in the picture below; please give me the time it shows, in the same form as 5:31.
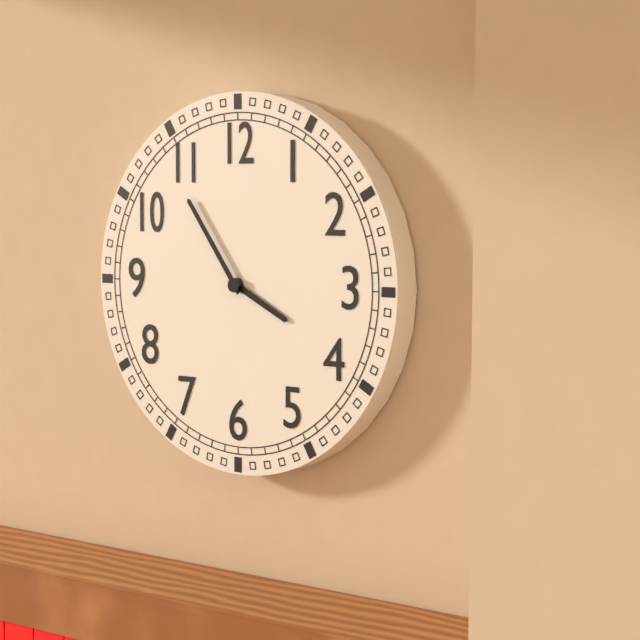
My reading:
3:54
